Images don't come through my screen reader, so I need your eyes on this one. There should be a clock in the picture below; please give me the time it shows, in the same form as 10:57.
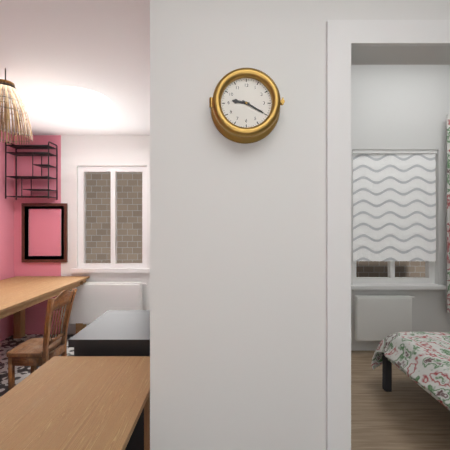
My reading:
9:20
